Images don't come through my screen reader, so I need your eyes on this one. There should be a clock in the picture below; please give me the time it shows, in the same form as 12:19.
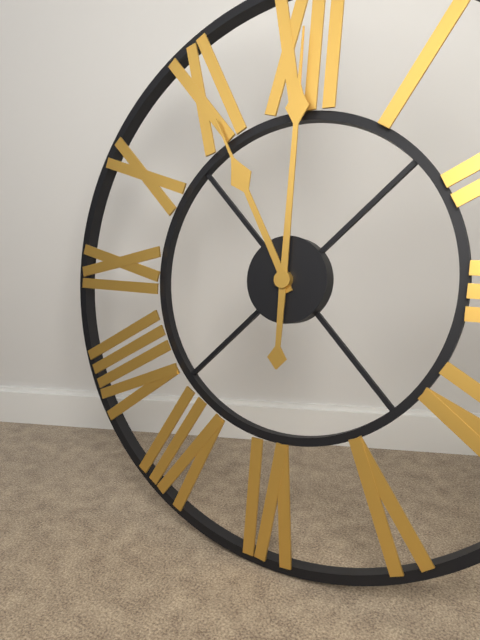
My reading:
11:00
